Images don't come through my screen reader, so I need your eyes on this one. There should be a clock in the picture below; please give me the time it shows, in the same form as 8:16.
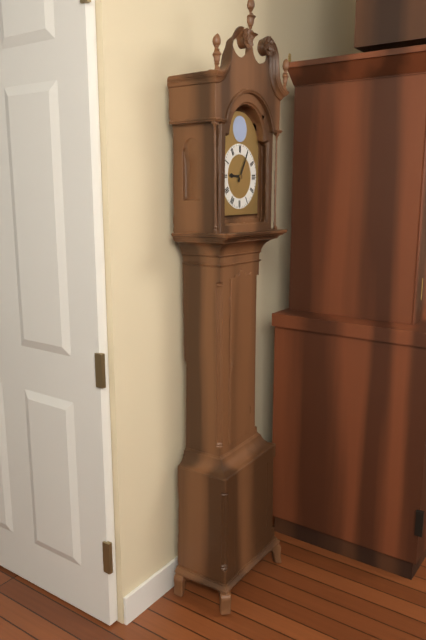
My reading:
9:05
